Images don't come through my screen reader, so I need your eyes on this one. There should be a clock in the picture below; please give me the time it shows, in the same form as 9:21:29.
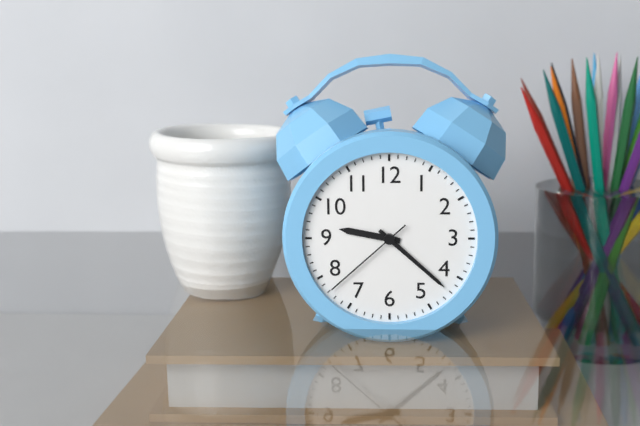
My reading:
9:22:38
